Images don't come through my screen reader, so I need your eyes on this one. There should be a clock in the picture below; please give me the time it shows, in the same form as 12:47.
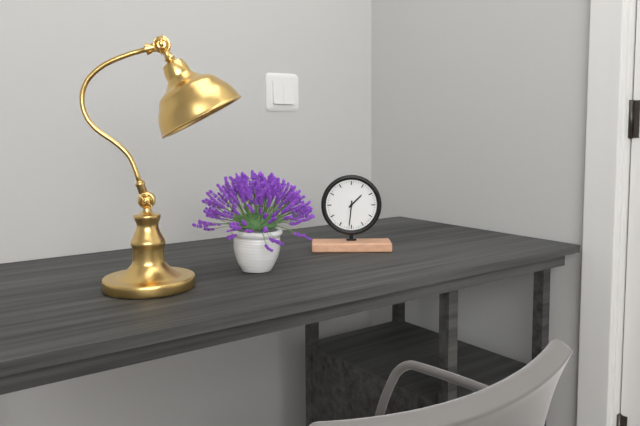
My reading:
1:31
